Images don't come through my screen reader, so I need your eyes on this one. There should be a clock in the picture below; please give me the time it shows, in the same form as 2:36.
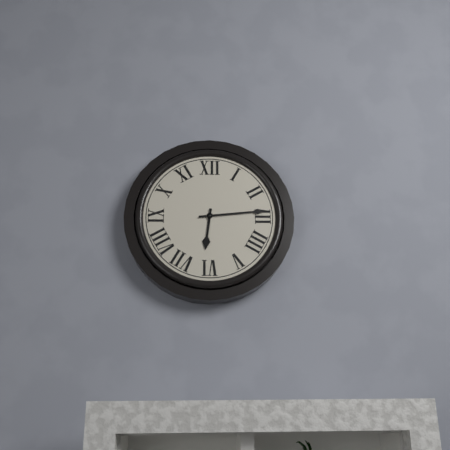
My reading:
6:14
